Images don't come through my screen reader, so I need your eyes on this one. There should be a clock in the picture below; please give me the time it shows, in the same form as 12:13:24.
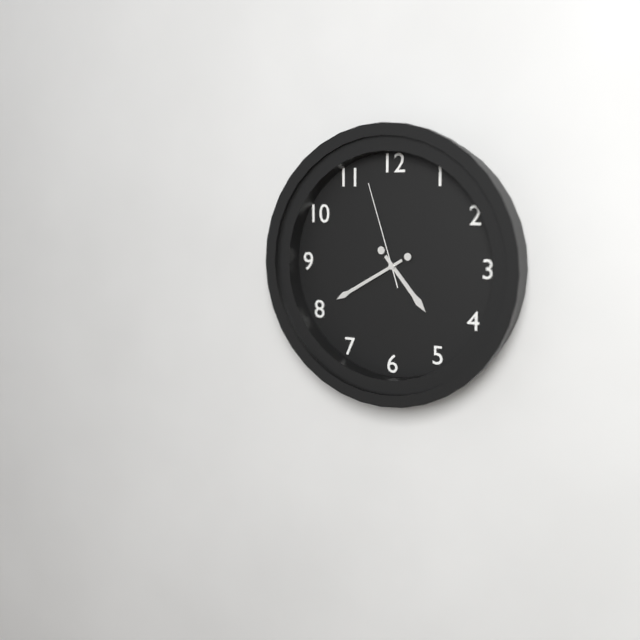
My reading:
4:40:57
